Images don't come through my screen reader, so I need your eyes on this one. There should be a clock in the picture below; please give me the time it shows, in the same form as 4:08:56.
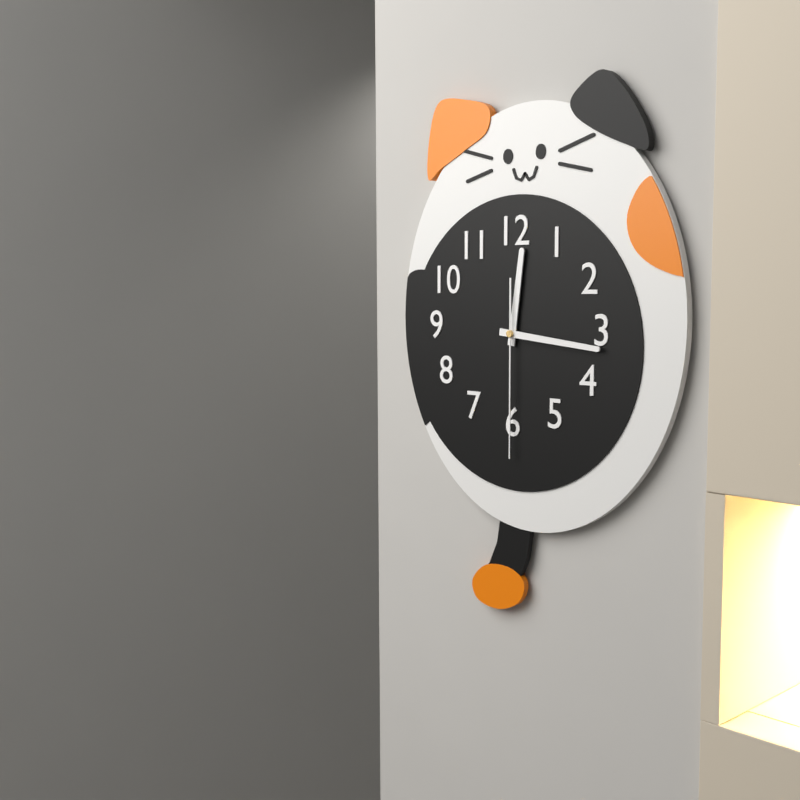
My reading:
12:16:30
